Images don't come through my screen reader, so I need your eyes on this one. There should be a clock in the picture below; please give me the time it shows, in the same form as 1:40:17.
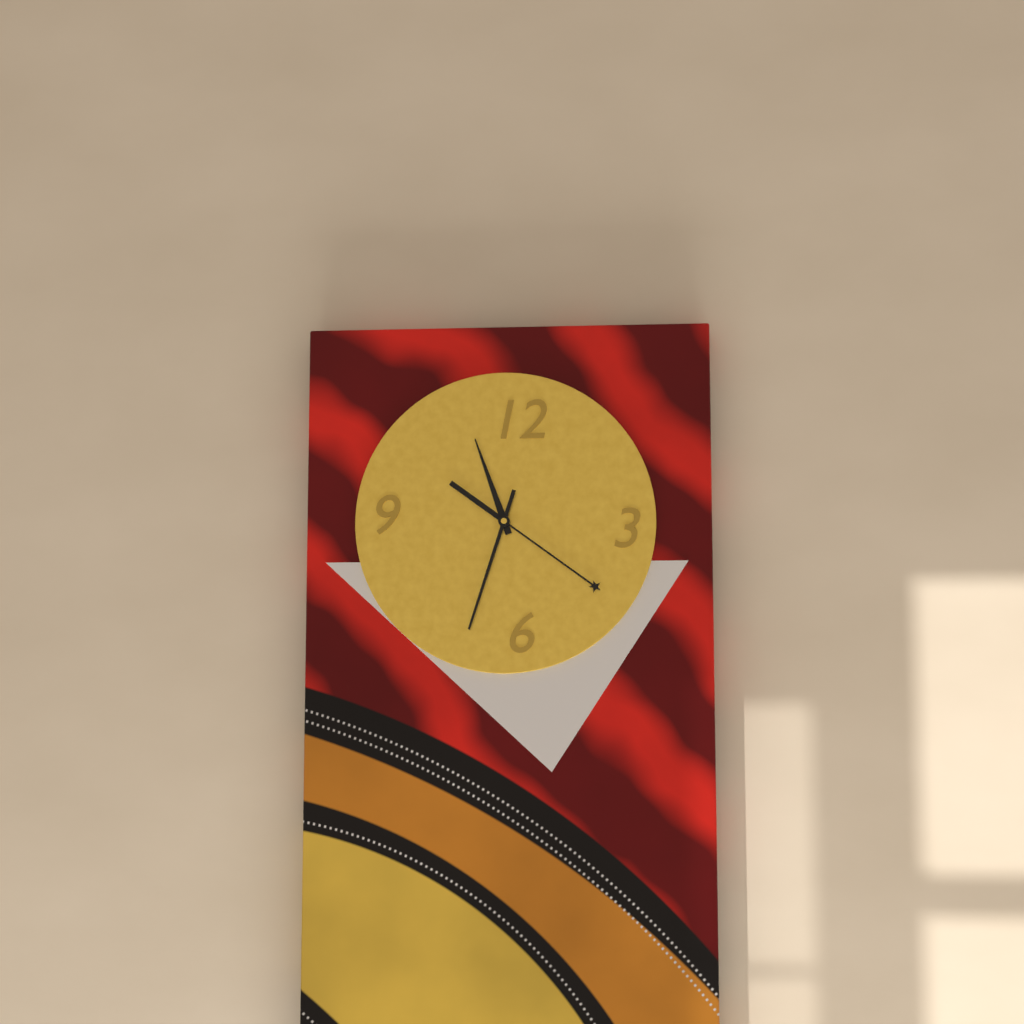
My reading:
11:21:33
